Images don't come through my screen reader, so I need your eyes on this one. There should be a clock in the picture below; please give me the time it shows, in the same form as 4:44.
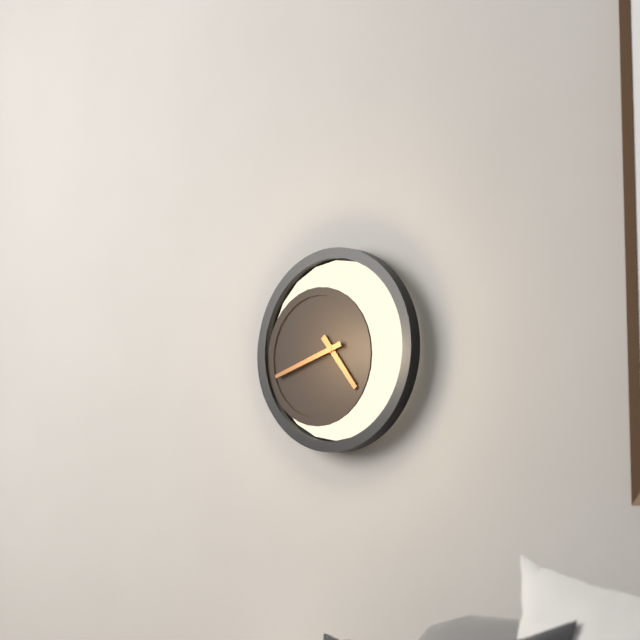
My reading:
4:42
